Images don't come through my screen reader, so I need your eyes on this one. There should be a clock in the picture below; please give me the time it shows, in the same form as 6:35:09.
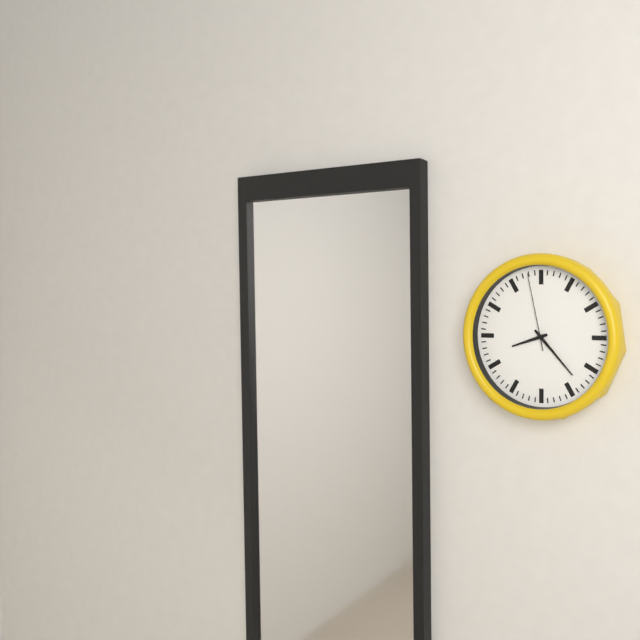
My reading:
8:23:58
